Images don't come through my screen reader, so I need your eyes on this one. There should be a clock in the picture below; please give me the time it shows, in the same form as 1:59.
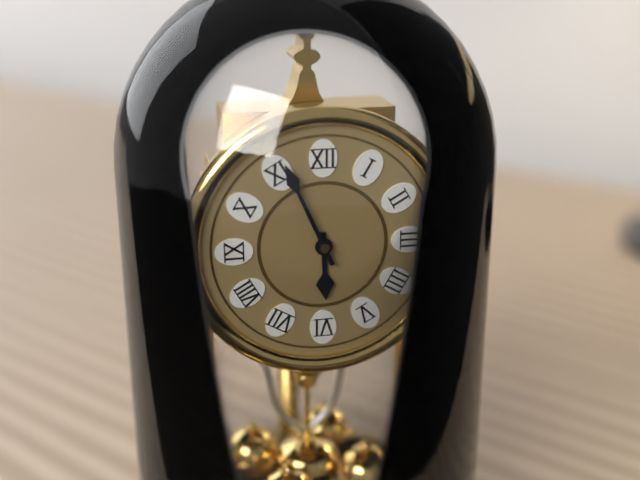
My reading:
5:56
